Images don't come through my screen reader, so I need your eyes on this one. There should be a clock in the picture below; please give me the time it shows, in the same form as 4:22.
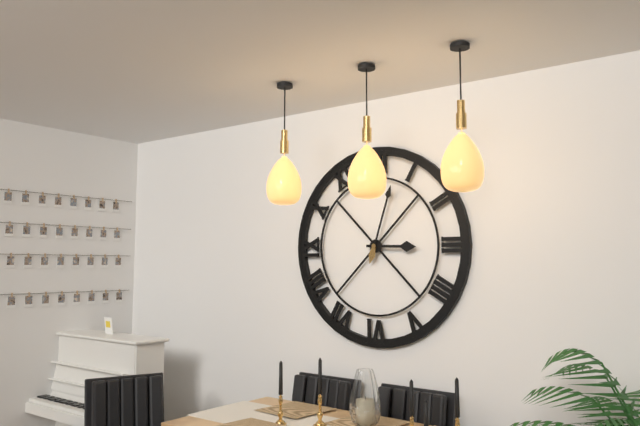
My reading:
3:03
